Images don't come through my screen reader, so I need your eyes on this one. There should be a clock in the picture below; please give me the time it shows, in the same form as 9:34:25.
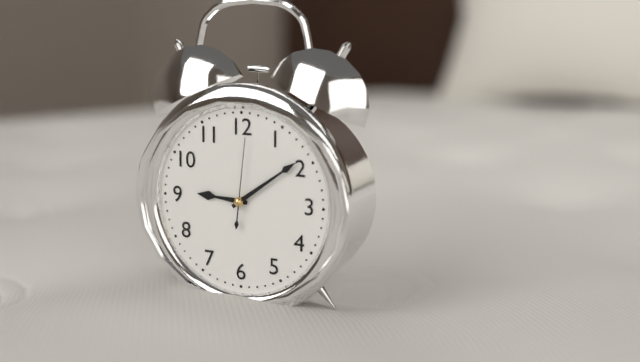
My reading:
9:09:01
